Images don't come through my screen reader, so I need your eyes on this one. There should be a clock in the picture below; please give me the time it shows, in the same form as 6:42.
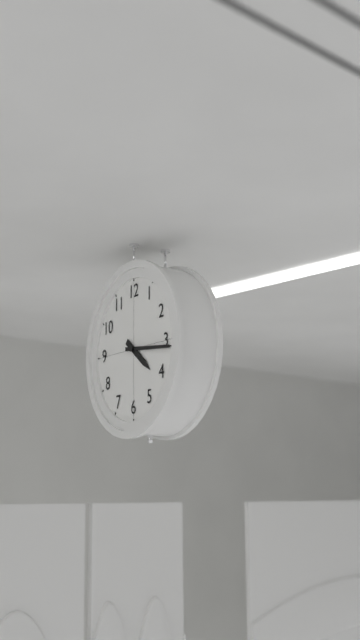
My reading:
4:16
